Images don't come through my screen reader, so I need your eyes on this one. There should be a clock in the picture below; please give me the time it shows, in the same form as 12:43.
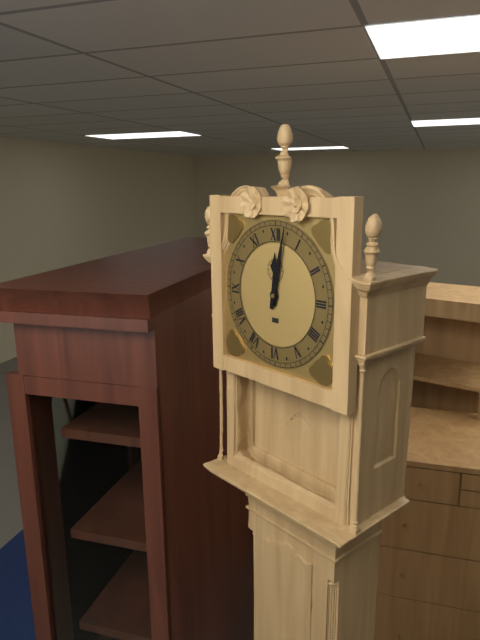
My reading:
12:02
